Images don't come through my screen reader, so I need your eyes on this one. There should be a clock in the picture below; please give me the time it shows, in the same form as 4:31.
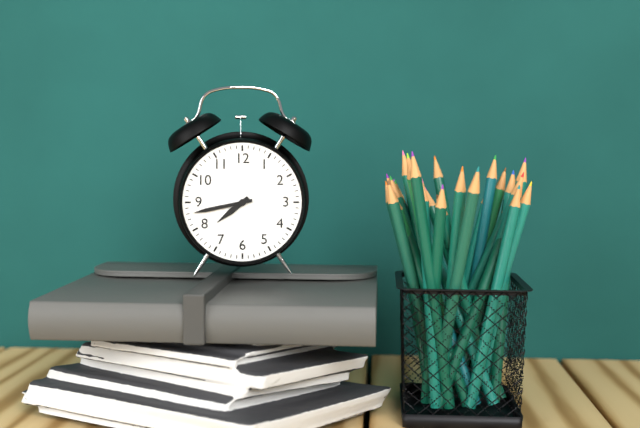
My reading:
7:43
